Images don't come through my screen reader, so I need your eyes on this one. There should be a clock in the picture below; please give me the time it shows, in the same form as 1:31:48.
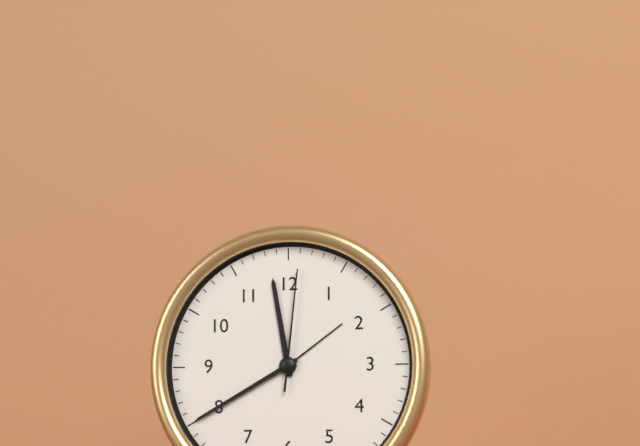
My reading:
11:40:01
